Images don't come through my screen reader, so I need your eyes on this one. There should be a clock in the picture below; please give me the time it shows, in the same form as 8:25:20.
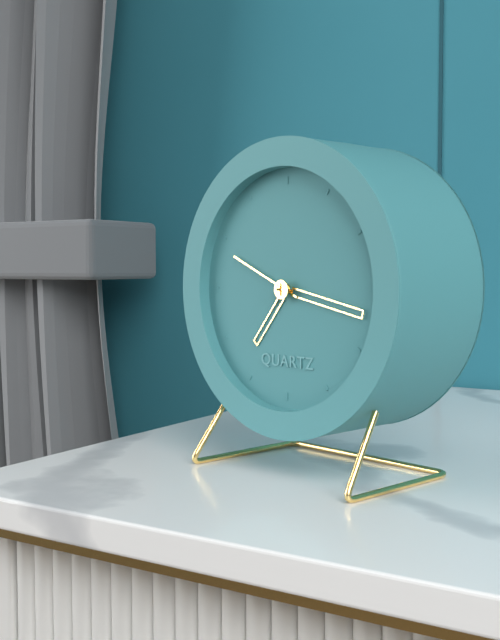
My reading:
7:17:49
